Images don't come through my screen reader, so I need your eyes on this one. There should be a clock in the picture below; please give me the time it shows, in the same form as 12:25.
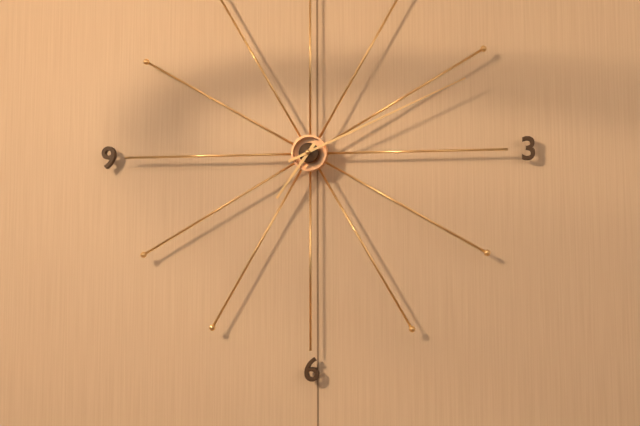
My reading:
7:11
